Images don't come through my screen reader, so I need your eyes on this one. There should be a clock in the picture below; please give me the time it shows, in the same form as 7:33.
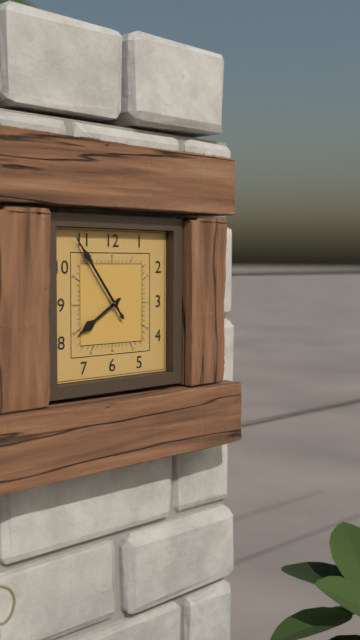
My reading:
7:54
